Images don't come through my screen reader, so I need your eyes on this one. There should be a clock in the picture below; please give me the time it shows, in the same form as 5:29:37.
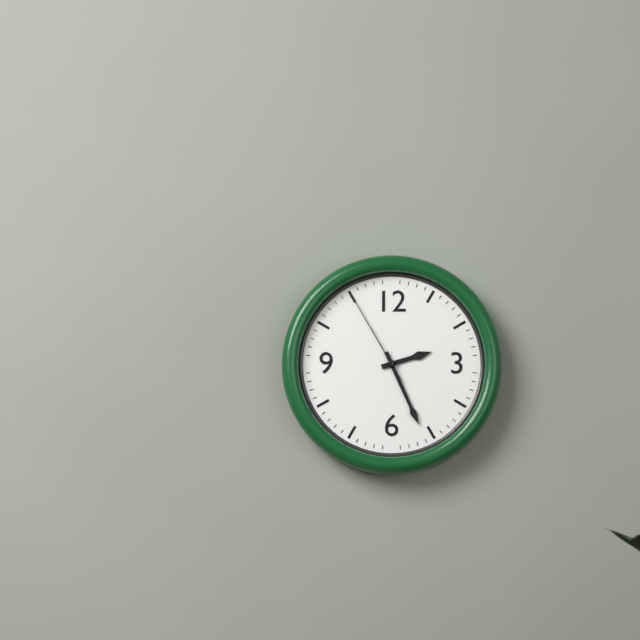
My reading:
2:26:55
